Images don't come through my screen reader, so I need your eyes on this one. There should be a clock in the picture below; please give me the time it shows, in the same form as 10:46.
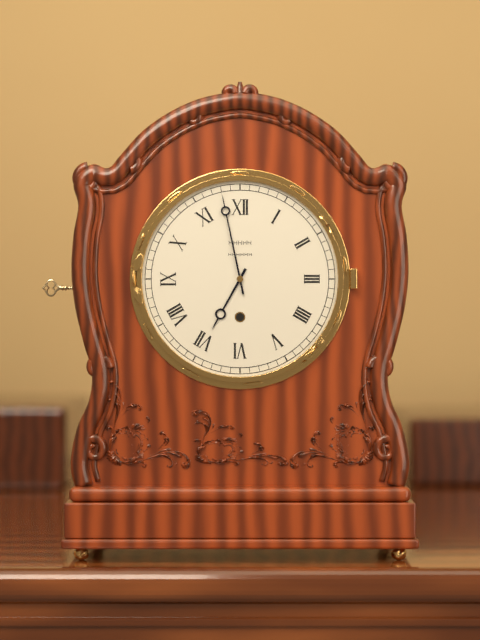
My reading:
6:58
